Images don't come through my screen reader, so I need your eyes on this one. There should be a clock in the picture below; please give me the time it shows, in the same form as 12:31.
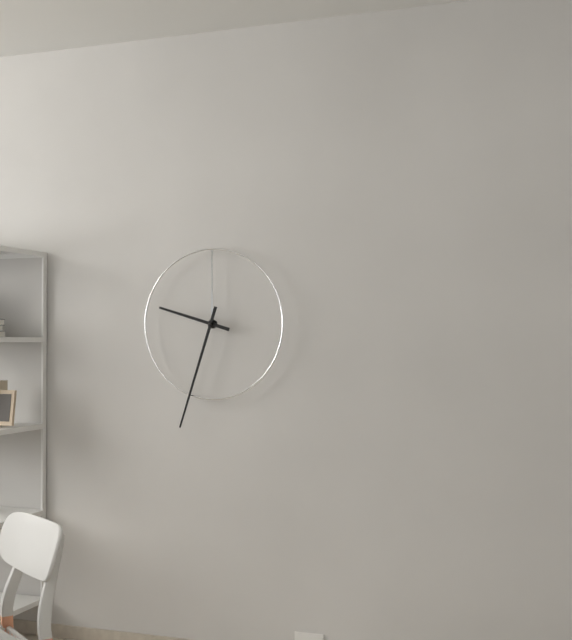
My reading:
9:33
